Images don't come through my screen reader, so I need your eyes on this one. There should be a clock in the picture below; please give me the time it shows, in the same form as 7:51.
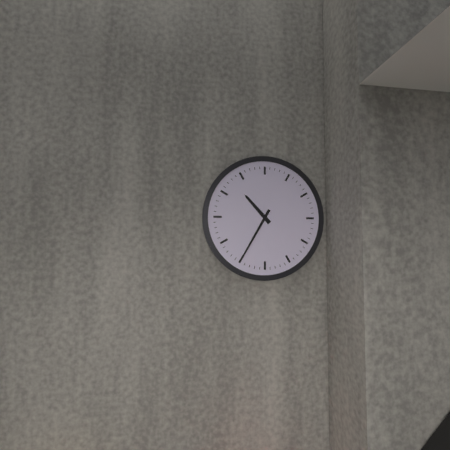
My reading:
10:35
